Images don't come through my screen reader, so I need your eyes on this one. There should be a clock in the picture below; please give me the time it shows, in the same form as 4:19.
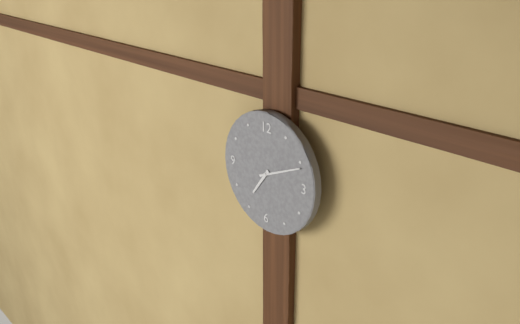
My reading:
7:11
